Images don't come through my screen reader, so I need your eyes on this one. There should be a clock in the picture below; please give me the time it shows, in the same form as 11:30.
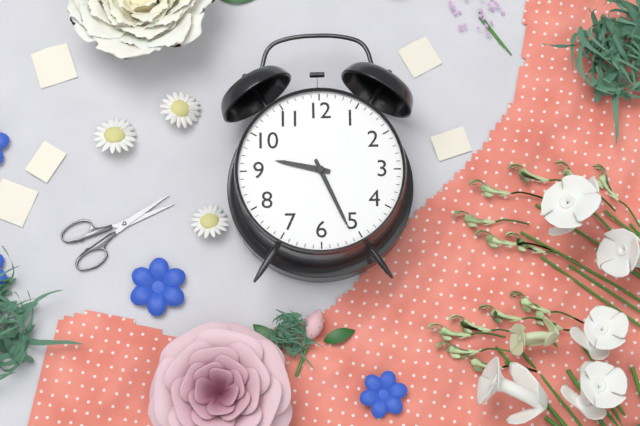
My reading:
9:26
